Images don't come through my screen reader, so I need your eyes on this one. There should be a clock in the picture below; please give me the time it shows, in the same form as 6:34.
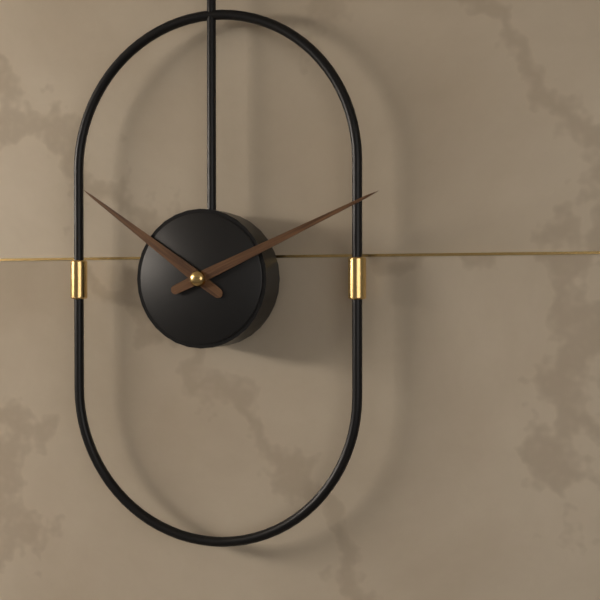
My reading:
10:11
